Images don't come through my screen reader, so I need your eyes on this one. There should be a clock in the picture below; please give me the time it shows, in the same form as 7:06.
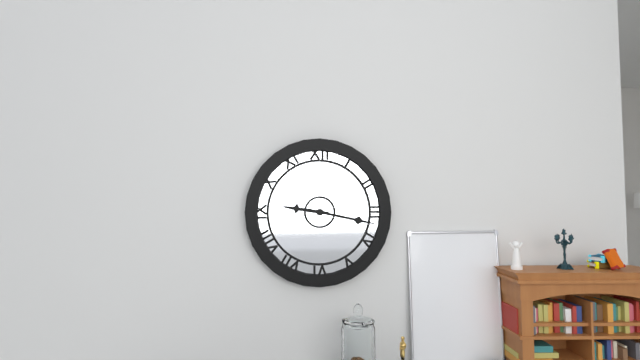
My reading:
9:17
